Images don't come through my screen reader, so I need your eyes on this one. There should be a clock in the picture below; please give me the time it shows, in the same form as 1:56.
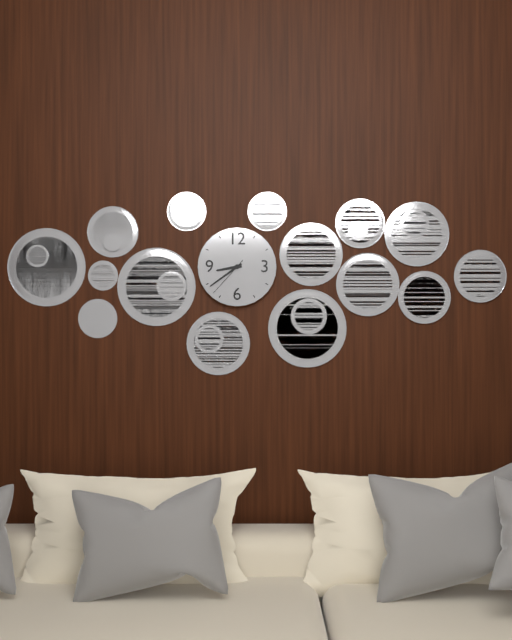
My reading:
8:39
